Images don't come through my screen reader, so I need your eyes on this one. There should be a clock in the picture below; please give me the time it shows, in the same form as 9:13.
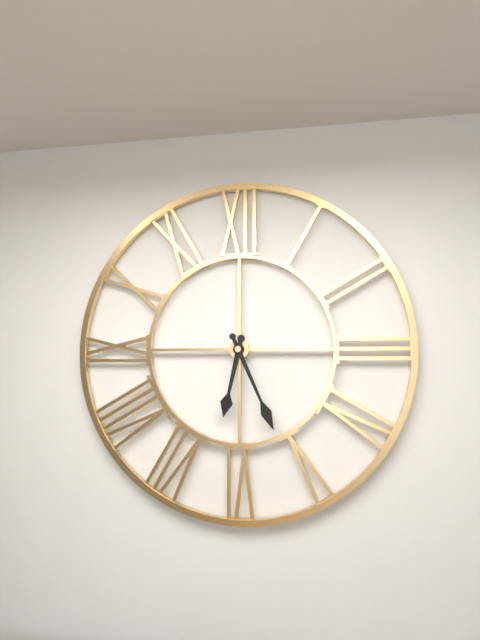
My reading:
6:26
